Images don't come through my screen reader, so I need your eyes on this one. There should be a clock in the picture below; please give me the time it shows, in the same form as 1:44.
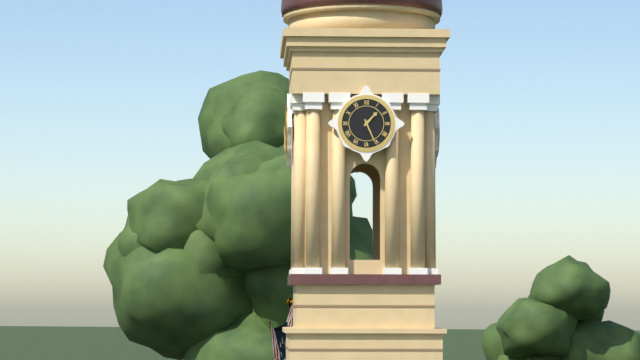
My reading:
1:26
